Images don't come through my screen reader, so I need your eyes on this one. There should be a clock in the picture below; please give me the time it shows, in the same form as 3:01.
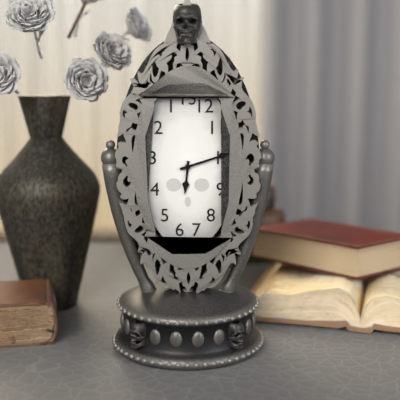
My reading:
6:12
